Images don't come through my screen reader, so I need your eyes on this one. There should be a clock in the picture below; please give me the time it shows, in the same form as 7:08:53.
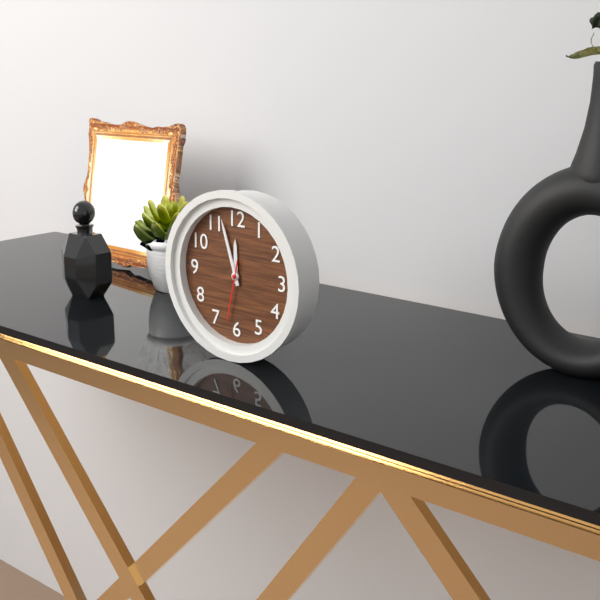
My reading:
11:57:32
